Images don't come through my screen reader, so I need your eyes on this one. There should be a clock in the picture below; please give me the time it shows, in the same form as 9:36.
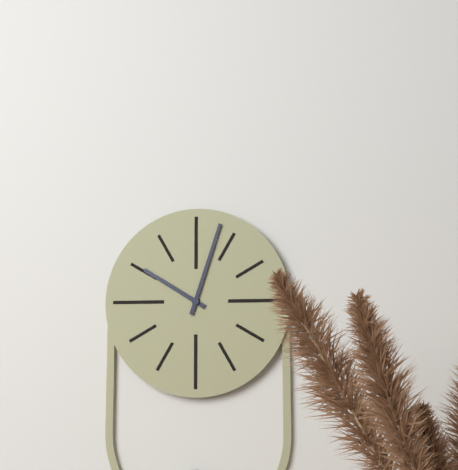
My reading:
10:03
